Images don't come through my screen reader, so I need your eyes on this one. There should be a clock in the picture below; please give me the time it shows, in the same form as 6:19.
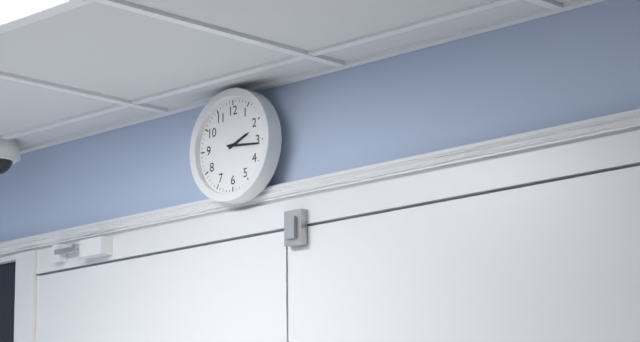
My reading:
2:16
